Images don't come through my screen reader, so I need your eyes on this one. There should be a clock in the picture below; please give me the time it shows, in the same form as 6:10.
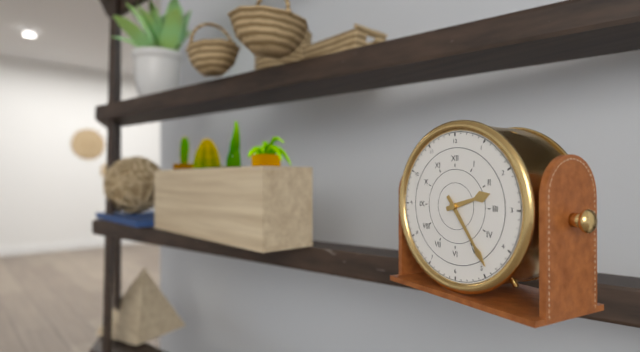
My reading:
2:24
